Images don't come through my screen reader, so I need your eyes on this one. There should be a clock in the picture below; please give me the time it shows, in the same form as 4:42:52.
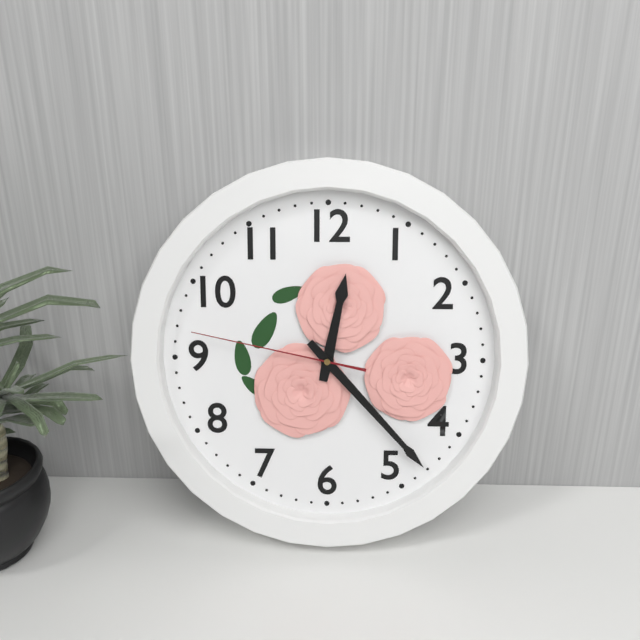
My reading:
12:23:47
